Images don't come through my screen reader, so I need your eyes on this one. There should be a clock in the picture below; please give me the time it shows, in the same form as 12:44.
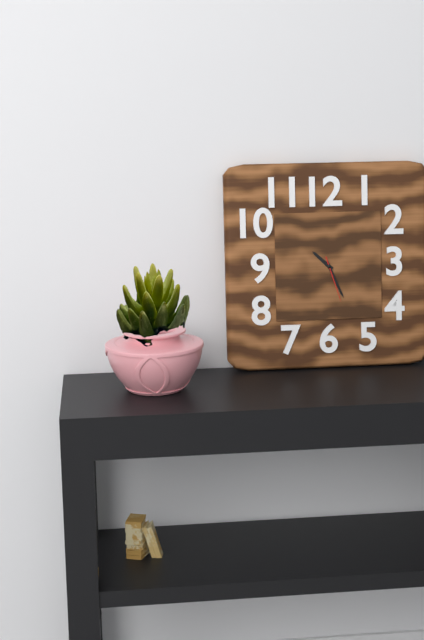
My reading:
10:26
